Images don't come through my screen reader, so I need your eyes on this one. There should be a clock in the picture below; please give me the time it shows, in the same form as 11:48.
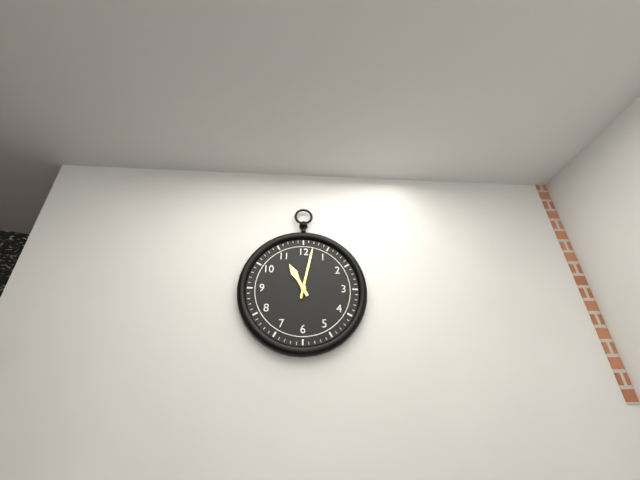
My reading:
11:02
